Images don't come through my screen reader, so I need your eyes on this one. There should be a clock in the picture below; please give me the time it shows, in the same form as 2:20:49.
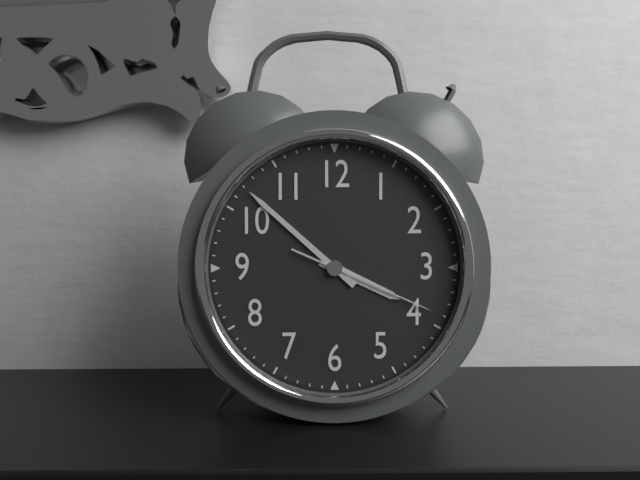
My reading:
3:52:19
